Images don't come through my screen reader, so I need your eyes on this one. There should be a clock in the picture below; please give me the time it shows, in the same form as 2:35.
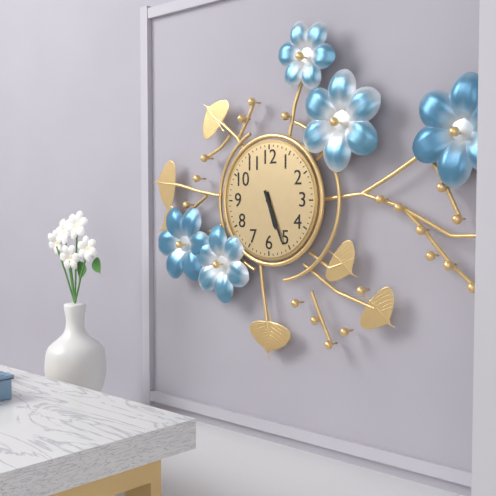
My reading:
5:26
